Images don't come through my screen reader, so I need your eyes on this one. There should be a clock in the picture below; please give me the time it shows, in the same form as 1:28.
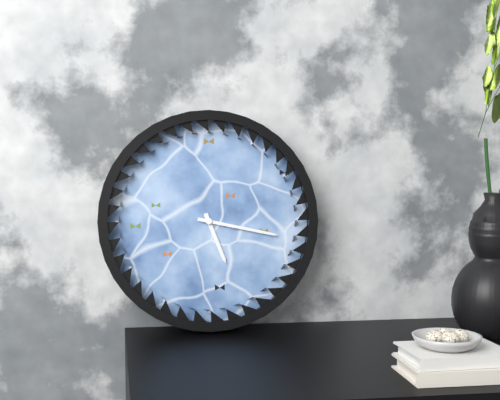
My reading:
5:17
